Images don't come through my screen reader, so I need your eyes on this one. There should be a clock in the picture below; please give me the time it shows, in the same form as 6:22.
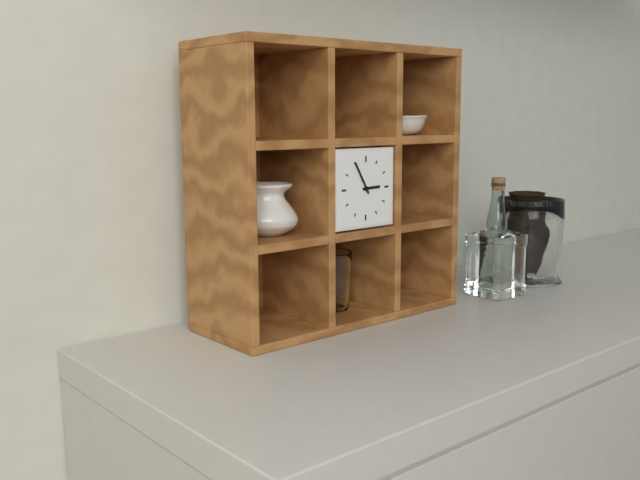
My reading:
2:55
